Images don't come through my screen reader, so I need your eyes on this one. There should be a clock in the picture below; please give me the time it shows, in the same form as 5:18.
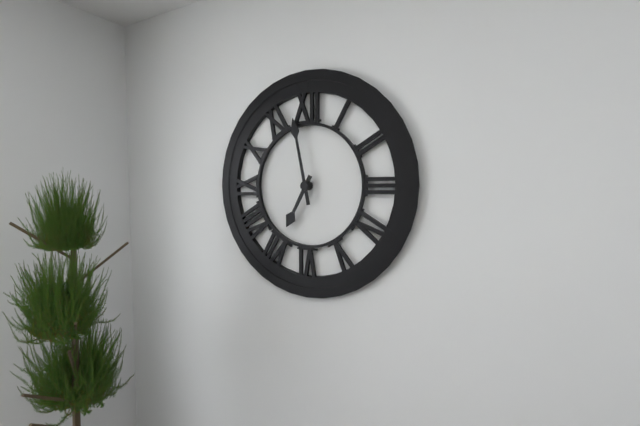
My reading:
6:58
